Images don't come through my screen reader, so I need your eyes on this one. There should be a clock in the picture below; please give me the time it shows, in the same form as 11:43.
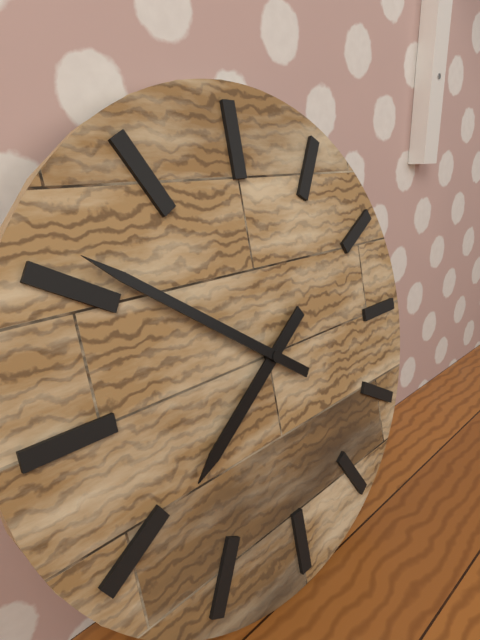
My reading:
7:51
